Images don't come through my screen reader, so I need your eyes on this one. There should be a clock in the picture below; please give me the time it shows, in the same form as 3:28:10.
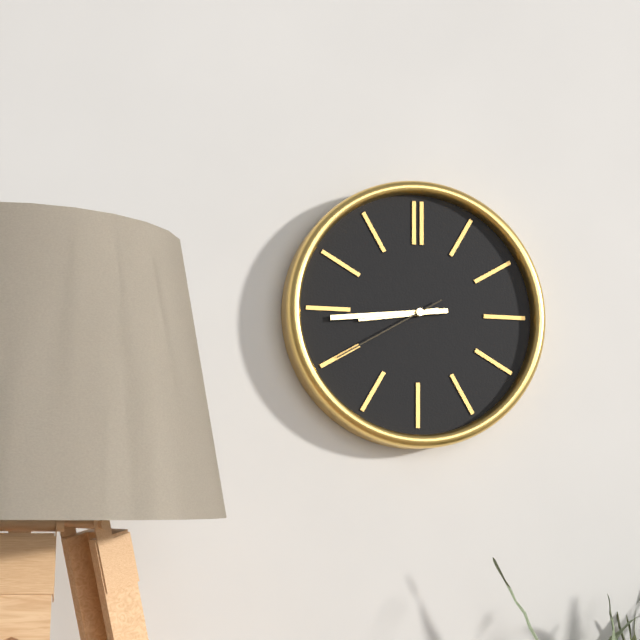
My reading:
8:44:40
